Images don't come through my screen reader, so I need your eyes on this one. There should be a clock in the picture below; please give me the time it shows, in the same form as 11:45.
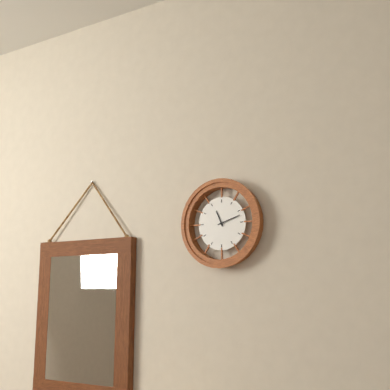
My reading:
11:12
